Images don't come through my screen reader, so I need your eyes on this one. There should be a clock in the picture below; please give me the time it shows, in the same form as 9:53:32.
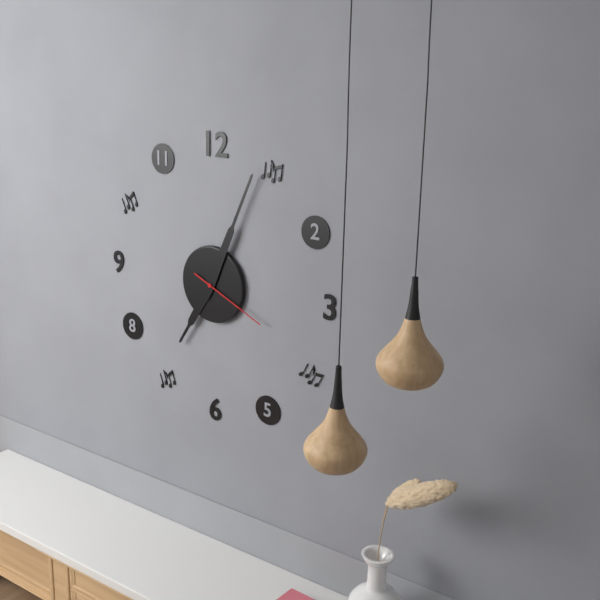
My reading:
7:04:19
